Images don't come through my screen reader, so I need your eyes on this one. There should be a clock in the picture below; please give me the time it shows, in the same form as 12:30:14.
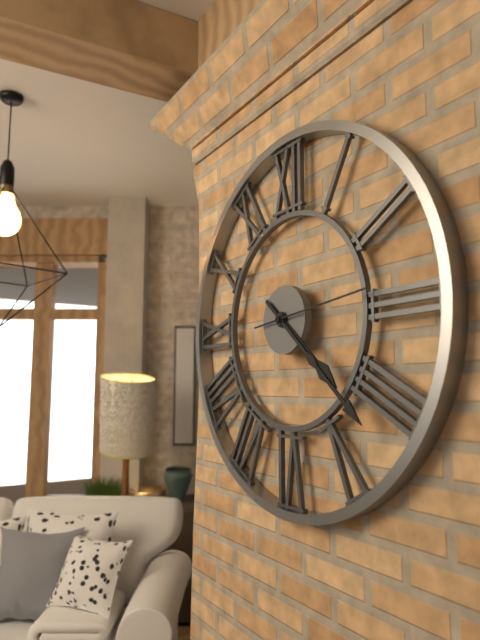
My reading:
4:22:14
